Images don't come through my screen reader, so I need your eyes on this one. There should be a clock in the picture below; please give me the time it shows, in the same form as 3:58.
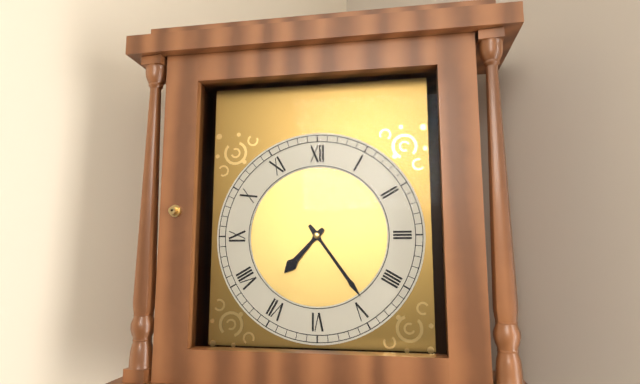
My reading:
7:24
